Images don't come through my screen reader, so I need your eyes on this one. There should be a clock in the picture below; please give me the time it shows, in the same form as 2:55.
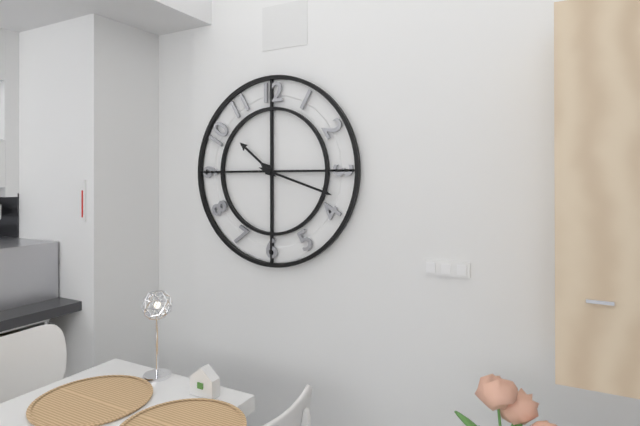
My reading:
10:18
